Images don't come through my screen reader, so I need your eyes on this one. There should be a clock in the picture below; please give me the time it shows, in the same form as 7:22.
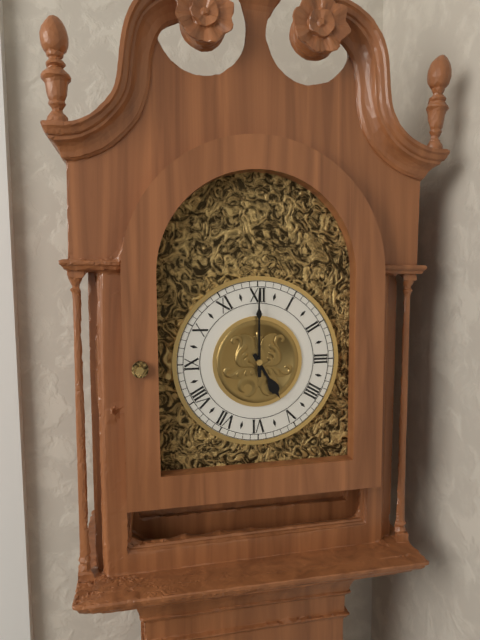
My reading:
5:00
